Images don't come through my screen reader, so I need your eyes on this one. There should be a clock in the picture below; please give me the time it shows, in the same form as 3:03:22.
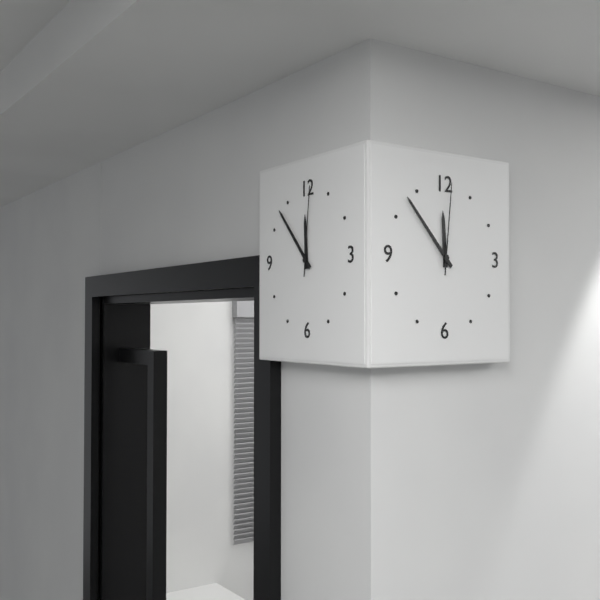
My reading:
11:53:01
